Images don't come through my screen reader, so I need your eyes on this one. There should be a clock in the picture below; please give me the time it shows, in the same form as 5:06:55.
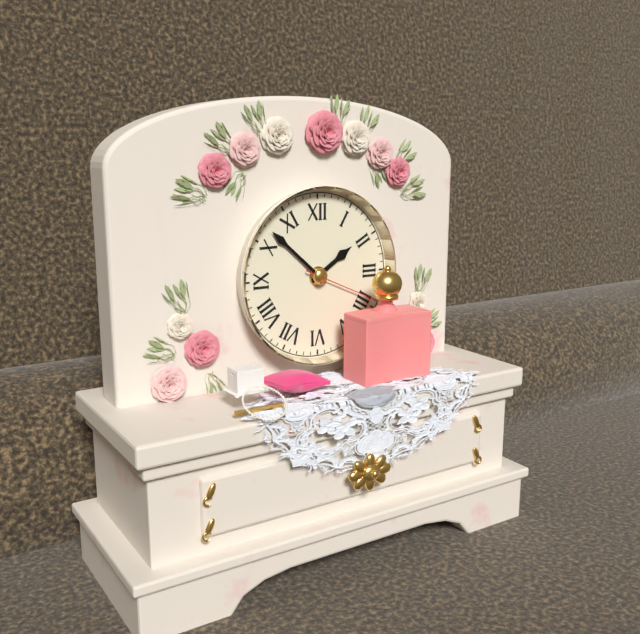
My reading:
1:52:19
